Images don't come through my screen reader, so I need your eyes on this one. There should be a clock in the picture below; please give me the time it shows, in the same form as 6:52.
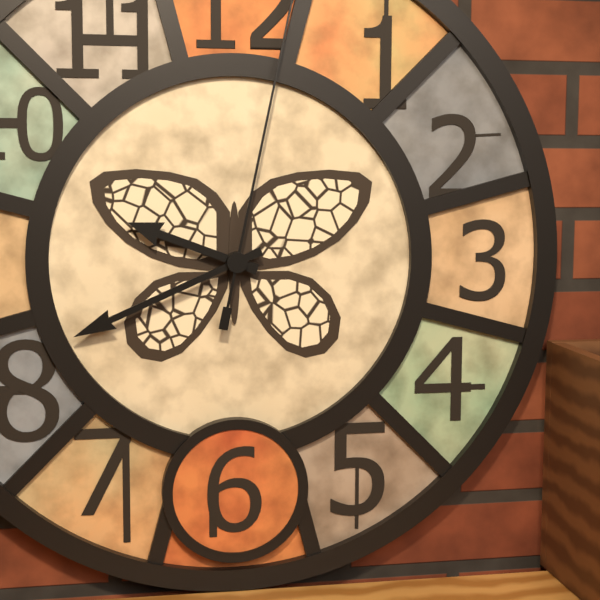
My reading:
9:41
